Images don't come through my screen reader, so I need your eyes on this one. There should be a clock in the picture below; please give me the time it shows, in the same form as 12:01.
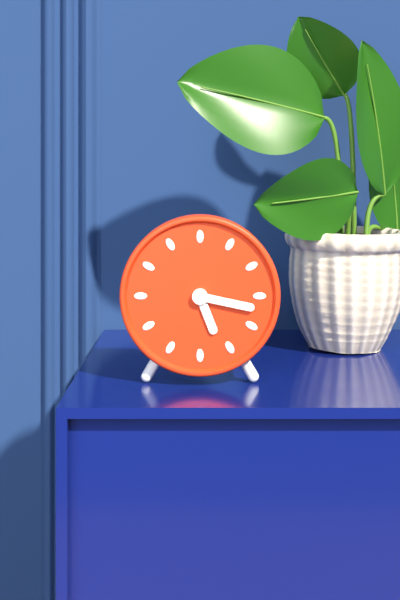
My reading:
5:17
